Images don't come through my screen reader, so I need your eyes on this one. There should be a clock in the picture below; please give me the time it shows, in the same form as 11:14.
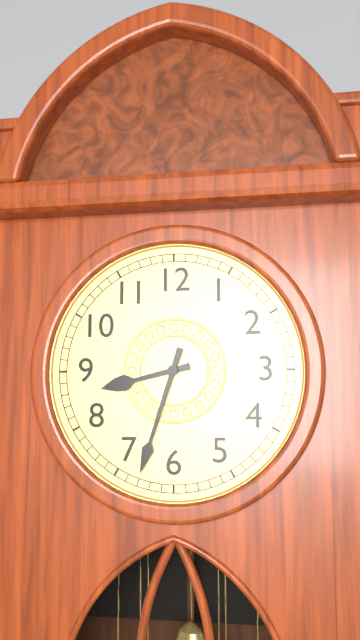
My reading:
8:33
